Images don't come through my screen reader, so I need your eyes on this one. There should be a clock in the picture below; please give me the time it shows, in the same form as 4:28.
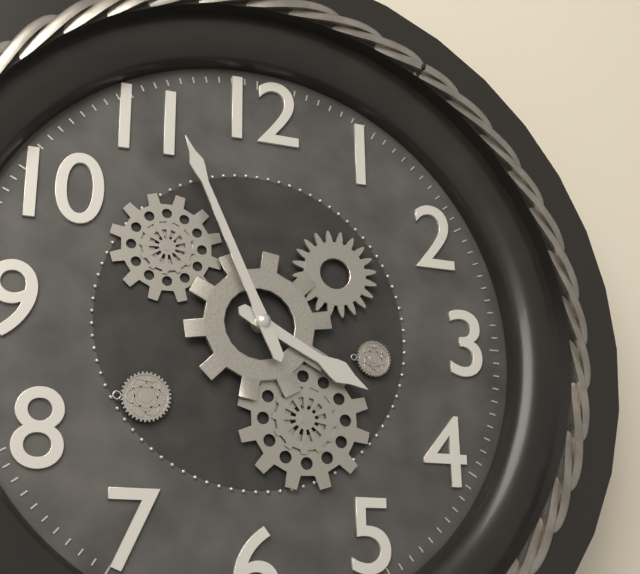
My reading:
3:56
